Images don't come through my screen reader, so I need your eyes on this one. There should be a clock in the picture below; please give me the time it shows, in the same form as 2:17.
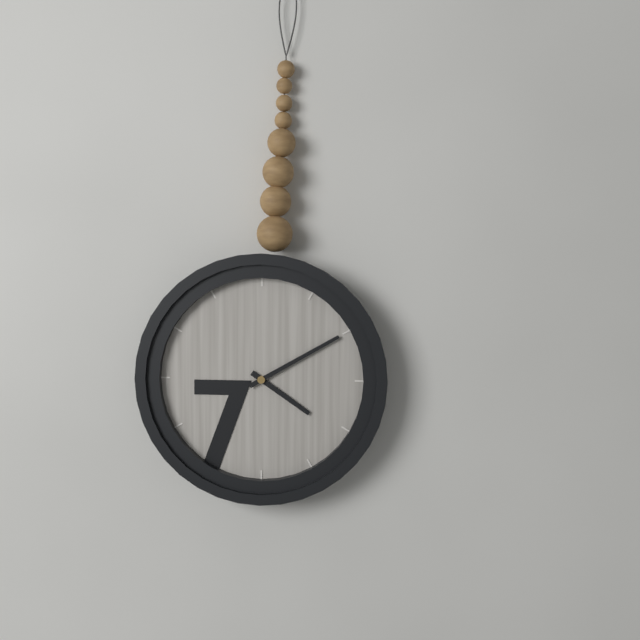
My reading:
4:10
